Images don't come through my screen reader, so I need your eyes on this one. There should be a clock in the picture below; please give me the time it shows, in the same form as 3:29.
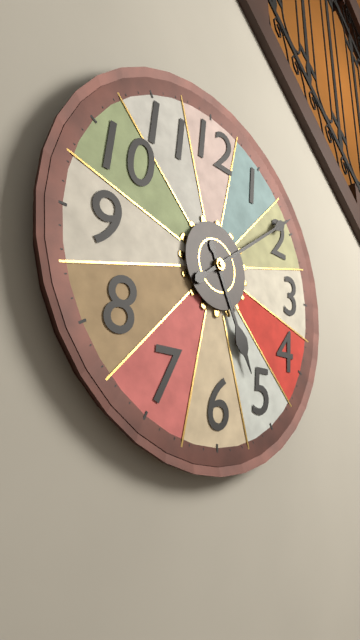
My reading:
5:09
